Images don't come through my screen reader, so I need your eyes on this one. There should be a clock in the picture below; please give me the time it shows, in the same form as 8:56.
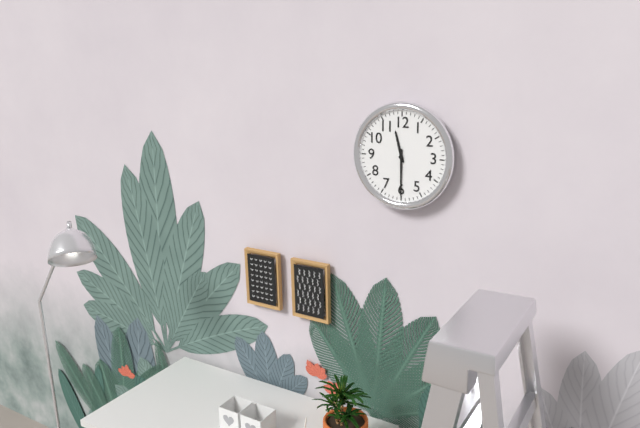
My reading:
11:30
